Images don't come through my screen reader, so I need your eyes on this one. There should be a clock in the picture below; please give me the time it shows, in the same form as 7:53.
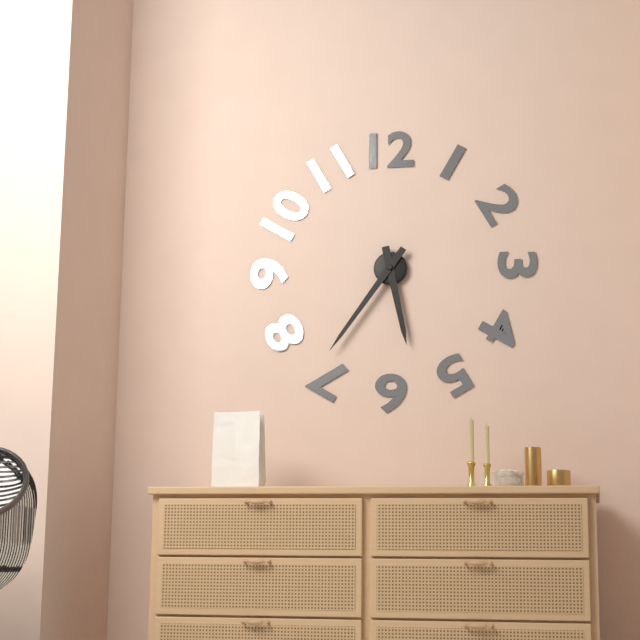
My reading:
5:36
